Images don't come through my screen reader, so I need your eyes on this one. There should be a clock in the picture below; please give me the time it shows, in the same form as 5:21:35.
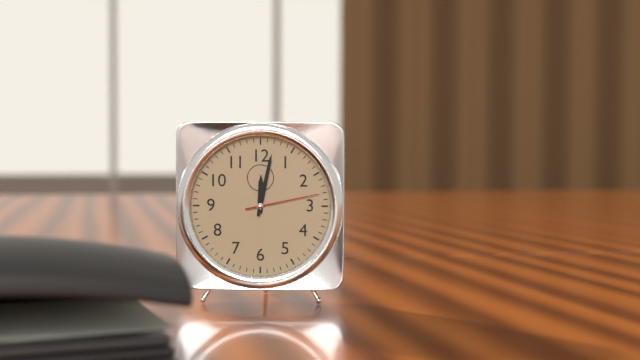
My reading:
12:02:13
